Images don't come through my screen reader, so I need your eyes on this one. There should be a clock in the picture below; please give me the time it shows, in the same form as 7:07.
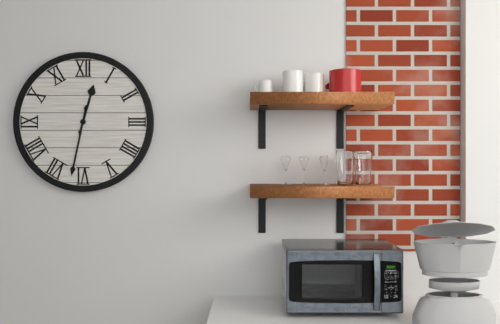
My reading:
12:32
